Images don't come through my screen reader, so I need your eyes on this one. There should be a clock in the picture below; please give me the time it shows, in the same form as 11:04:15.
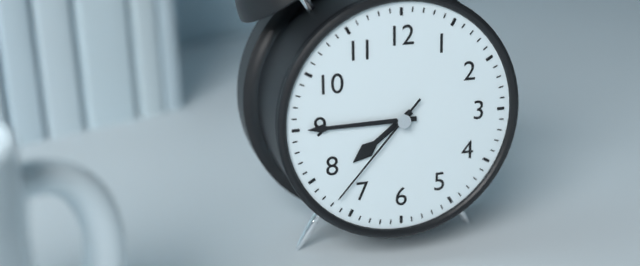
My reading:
7:45:37
